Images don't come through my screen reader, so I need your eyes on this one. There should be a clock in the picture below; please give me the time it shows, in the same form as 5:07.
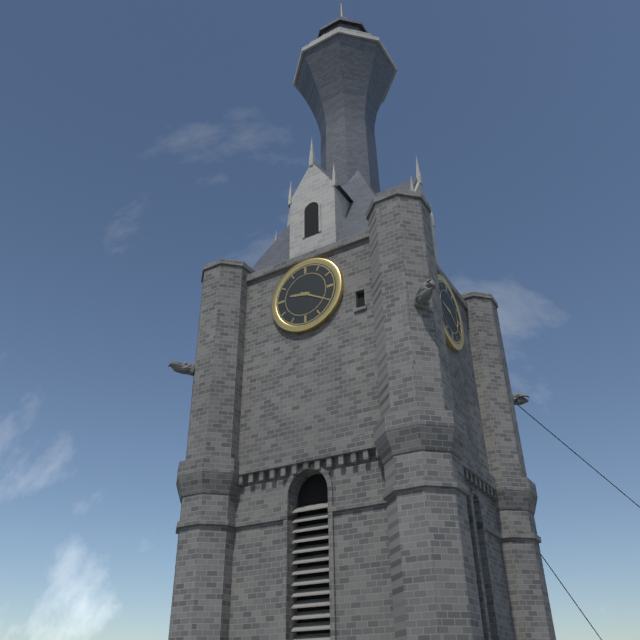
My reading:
9:20
